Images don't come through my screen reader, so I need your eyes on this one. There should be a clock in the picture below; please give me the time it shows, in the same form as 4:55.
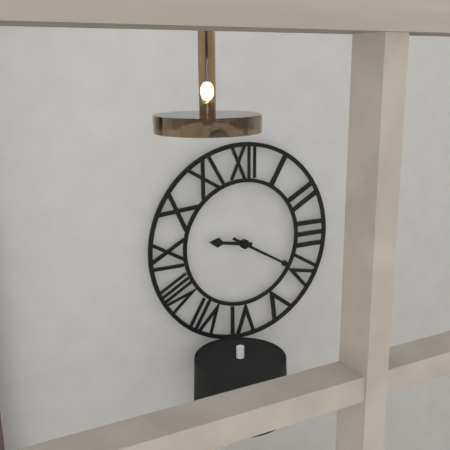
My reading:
9:20
